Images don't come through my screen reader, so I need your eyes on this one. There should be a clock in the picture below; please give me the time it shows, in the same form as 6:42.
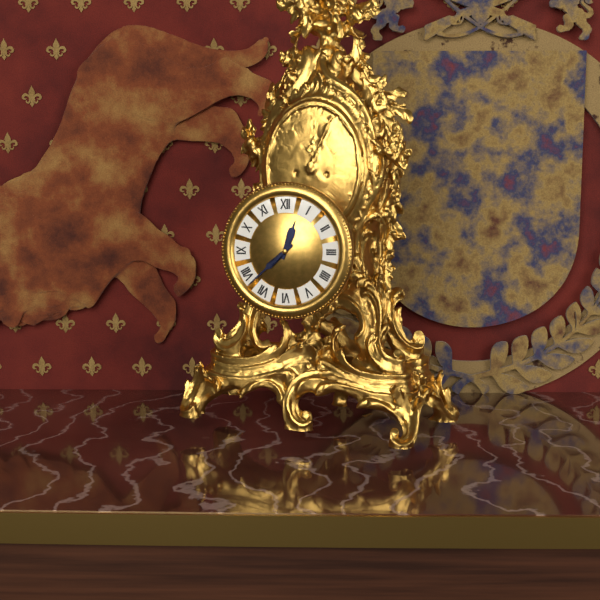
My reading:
12:38
